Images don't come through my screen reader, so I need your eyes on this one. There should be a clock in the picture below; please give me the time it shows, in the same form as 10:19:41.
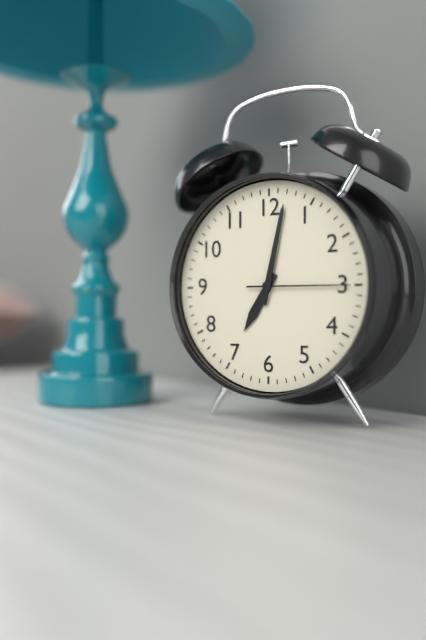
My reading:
7:02:15
